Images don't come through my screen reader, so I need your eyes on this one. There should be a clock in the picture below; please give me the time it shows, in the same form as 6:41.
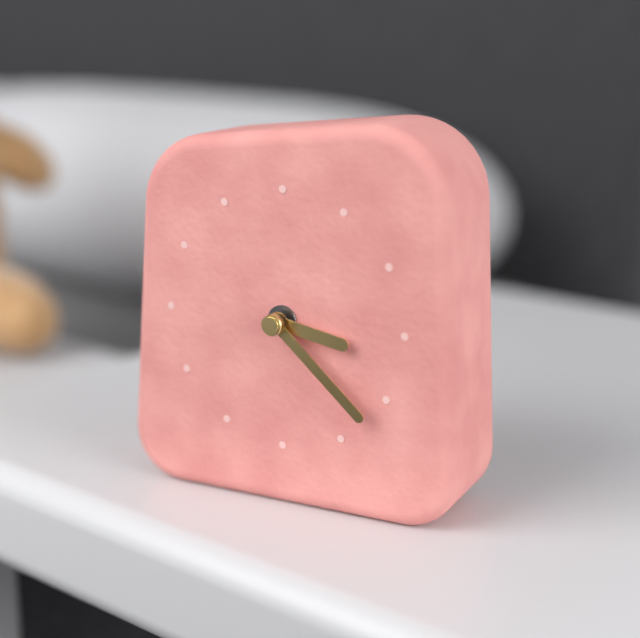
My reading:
3:22
